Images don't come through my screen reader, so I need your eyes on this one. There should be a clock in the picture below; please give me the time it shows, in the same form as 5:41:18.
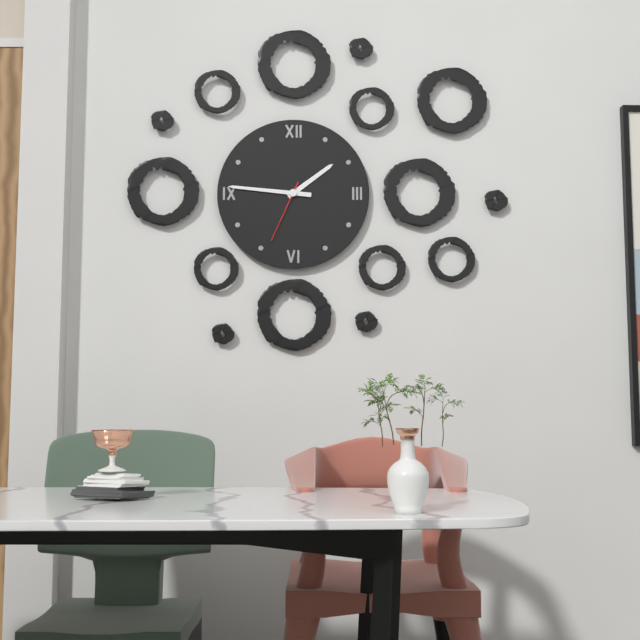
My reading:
1:46:34
